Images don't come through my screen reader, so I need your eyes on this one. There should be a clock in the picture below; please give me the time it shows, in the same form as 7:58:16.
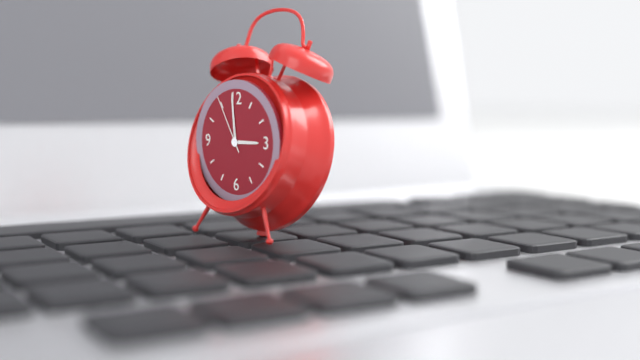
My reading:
2:59:55
